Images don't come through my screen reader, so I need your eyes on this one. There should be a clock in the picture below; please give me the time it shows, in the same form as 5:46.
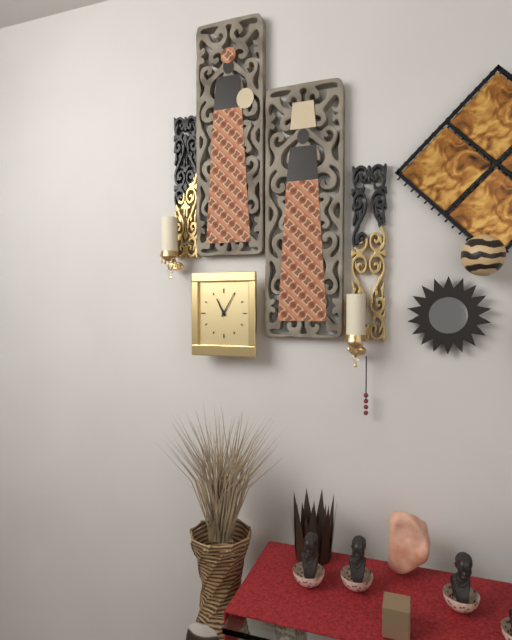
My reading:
11:05
